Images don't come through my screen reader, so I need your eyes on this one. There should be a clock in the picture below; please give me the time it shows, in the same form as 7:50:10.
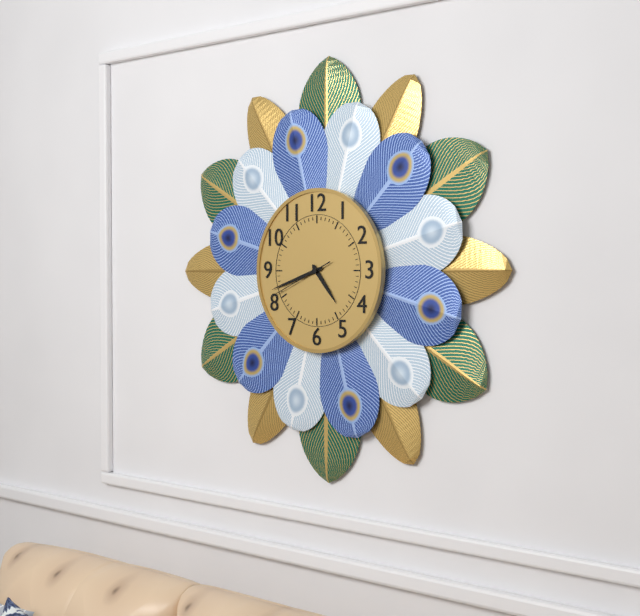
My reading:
4:42:41
